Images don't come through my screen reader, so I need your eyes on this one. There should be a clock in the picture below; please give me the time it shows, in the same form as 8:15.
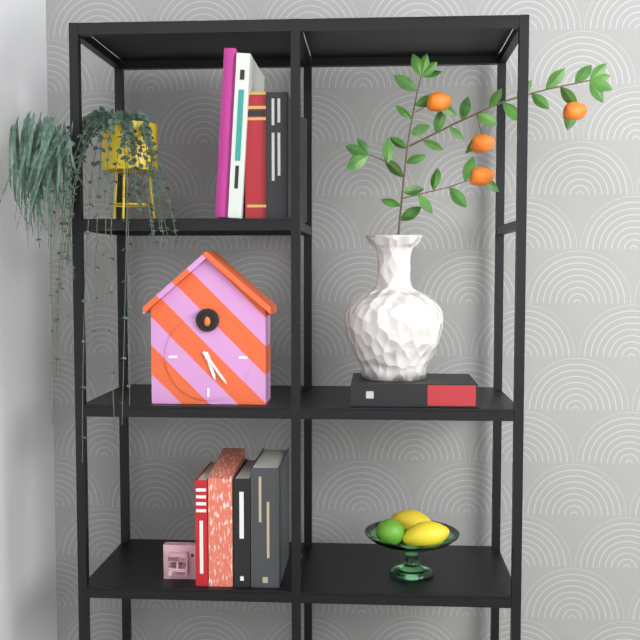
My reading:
5:24
